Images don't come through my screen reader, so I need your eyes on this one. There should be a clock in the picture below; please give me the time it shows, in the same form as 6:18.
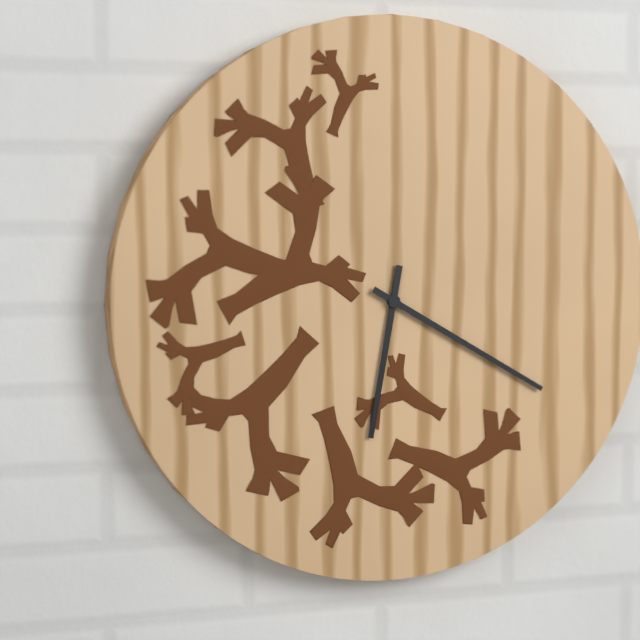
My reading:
6:20
